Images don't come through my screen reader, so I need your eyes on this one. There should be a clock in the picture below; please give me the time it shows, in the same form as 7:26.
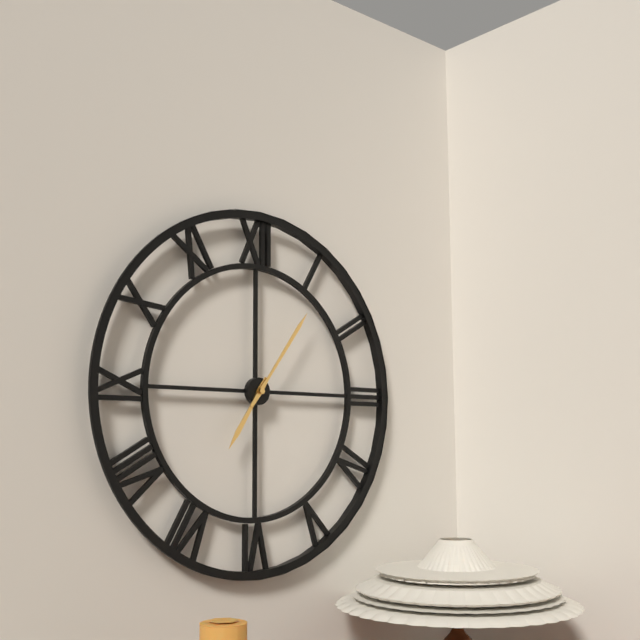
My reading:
7:06
